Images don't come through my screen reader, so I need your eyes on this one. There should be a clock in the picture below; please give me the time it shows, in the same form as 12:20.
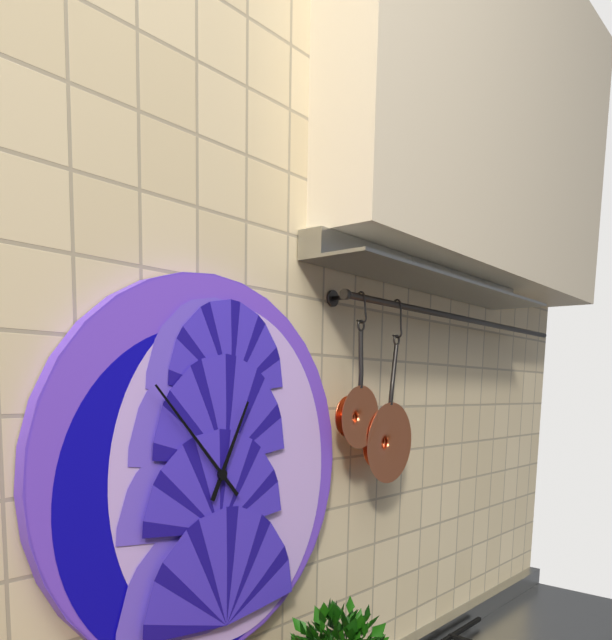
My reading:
12:53
